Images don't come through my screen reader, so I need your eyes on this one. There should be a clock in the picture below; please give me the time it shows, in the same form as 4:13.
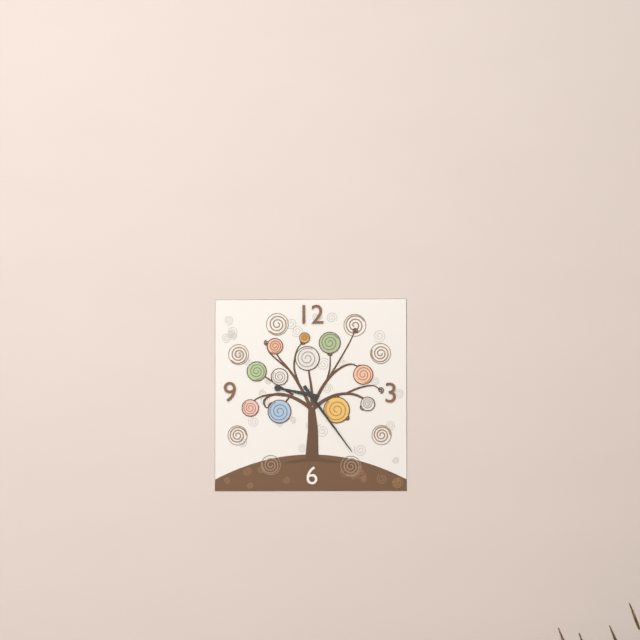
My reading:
9:24
